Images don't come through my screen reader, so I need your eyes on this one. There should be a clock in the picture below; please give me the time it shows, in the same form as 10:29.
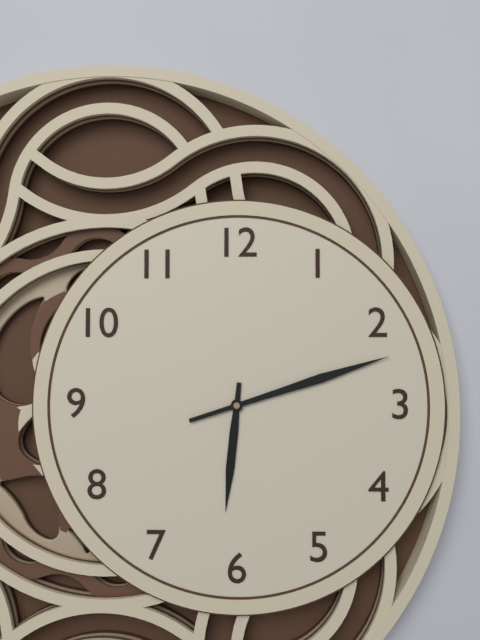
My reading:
6:12
